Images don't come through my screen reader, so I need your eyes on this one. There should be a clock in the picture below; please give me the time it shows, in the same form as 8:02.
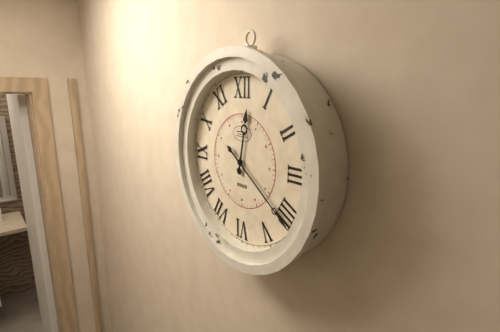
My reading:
12:21
